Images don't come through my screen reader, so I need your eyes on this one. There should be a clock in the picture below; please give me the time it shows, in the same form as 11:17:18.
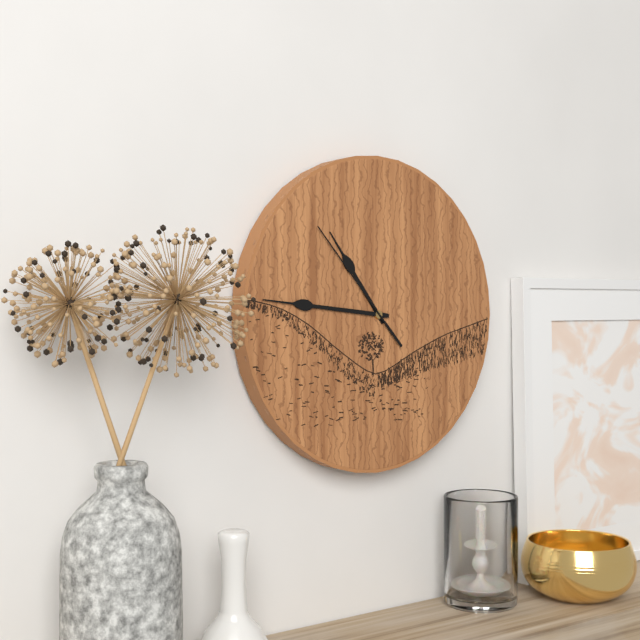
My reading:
10:46:53
